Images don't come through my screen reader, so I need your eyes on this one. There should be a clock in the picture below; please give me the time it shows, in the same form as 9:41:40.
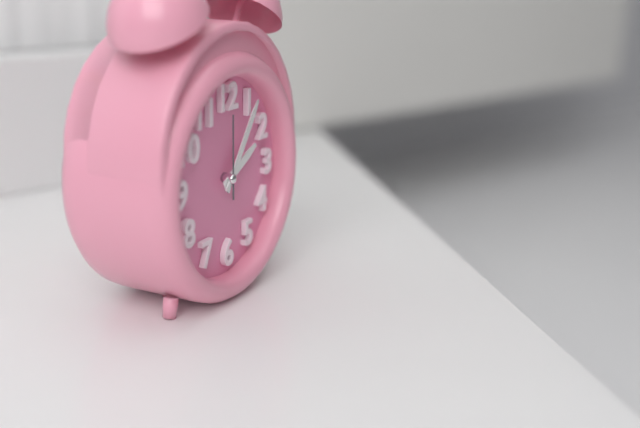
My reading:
2:06:00
